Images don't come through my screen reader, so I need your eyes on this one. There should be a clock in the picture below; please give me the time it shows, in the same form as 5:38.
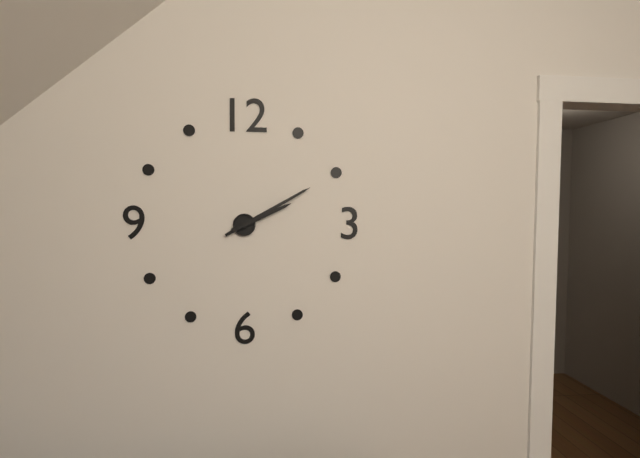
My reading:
2:10
